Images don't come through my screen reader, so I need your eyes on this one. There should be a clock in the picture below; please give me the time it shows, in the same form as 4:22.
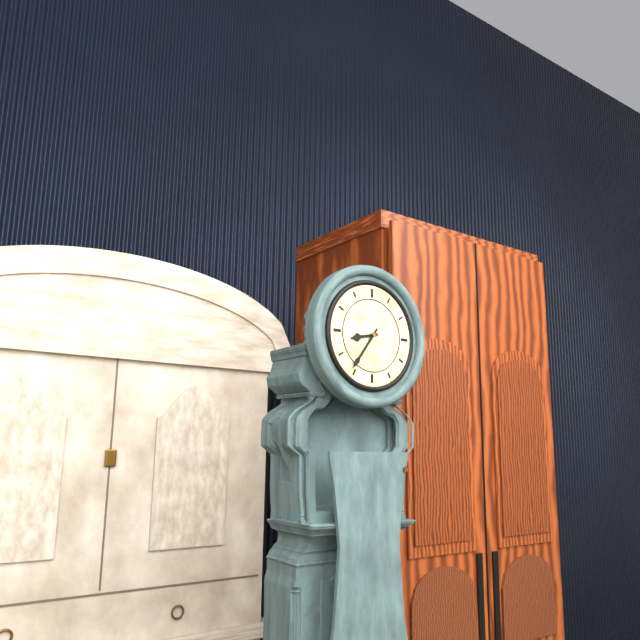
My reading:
8:36
